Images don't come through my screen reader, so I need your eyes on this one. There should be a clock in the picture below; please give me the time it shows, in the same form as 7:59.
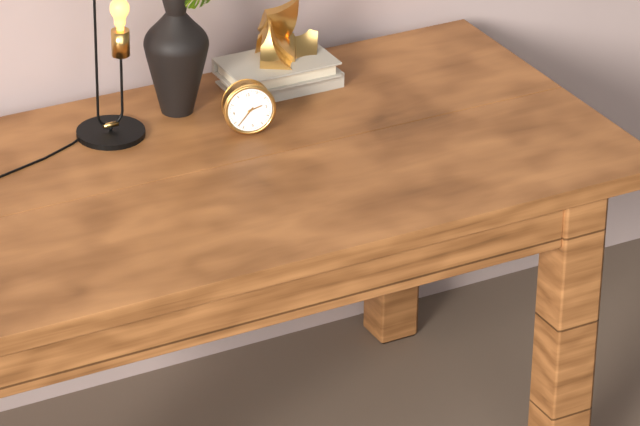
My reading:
2:38
